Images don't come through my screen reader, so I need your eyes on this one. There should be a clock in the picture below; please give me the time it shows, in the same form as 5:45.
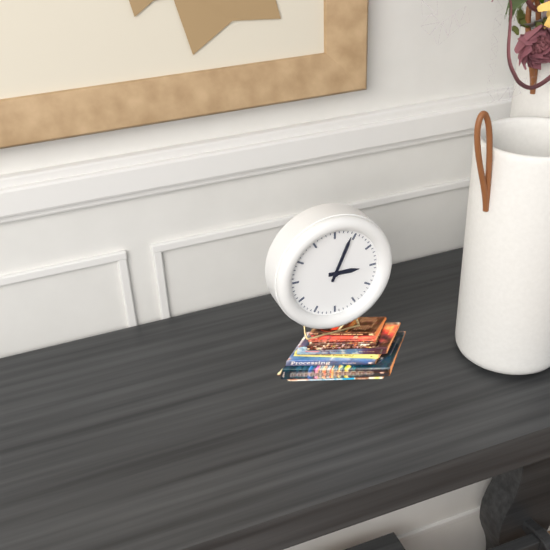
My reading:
3:04
